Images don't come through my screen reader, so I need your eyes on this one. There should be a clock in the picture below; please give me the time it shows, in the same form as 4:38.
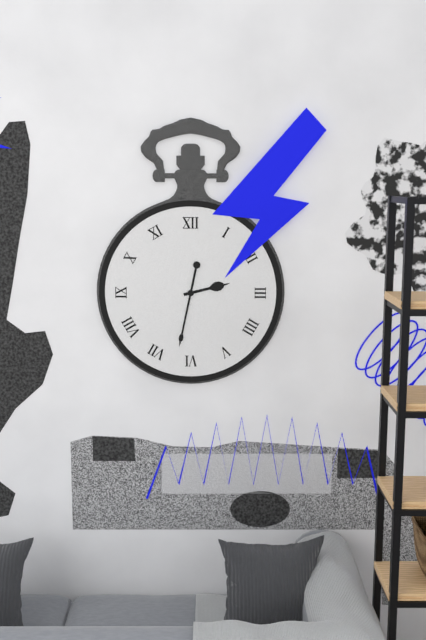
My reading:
2:32
